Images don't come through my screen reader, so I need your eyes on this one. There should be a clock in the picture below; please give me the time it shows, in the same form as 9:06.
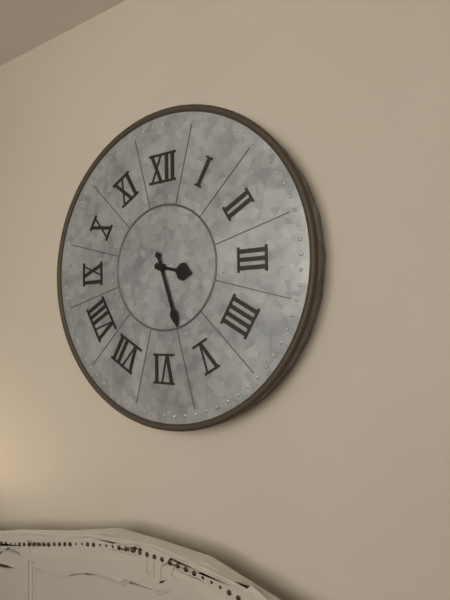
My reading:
3:27
